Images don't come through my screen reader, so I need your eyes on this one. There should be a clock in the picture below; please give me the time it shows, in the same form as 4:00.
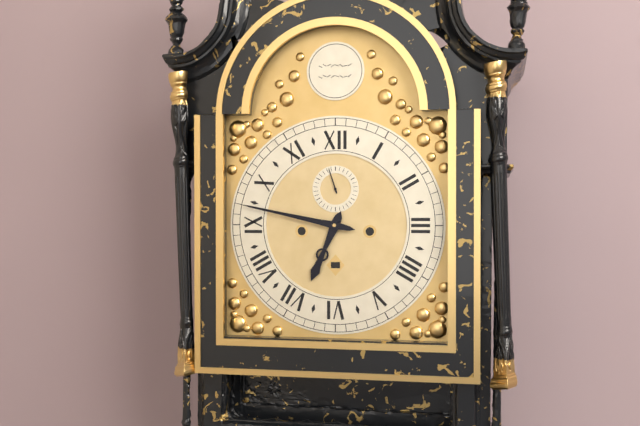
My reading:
6:47
